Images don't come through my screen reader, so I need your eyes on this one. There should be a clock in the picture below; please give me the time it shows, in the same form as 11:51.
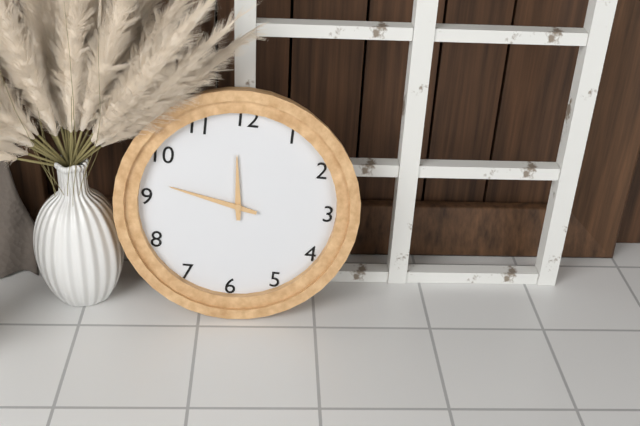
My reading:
11:47
